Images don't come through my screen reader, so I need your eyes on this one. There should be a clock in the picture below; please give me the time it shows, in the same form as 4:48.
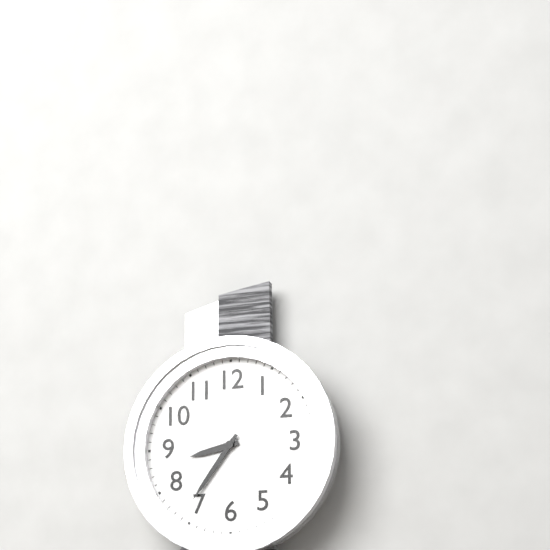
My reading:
8:36
